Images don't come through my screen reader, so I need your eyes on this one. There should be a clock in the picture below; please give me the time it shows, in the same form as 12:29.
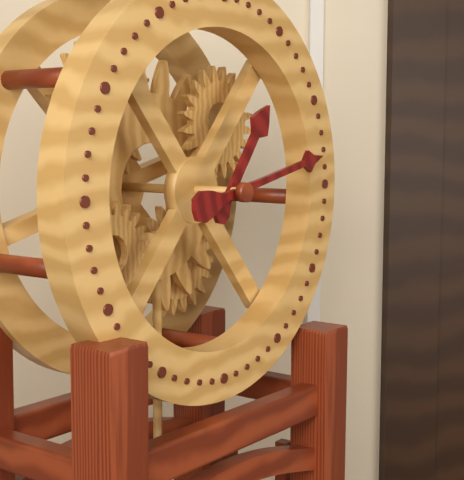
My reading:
1:13
